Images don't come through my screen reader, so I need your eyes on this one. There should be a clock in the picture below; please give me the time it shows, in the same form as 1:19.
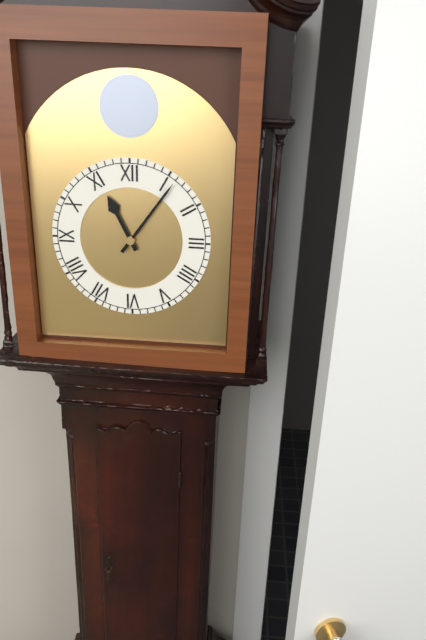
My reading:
11:06
